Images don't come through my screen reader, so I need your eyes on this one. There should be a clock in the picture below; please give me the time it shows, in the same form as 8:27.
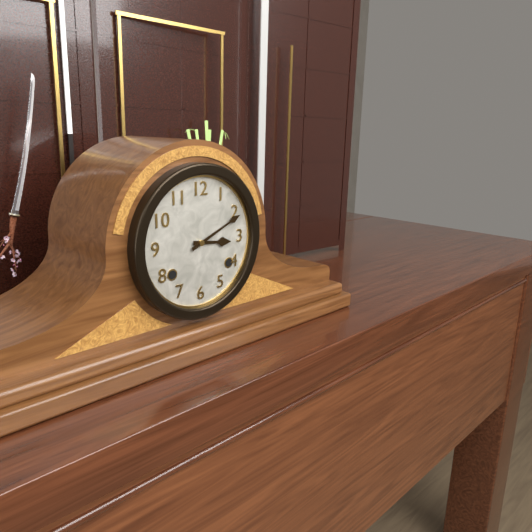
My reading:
3:11
